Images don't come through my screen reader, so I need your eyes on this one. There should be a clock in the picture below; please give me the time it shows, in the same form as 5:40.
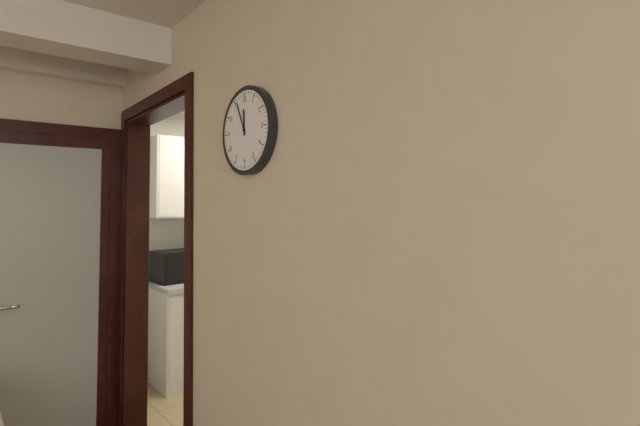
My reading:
11:56
